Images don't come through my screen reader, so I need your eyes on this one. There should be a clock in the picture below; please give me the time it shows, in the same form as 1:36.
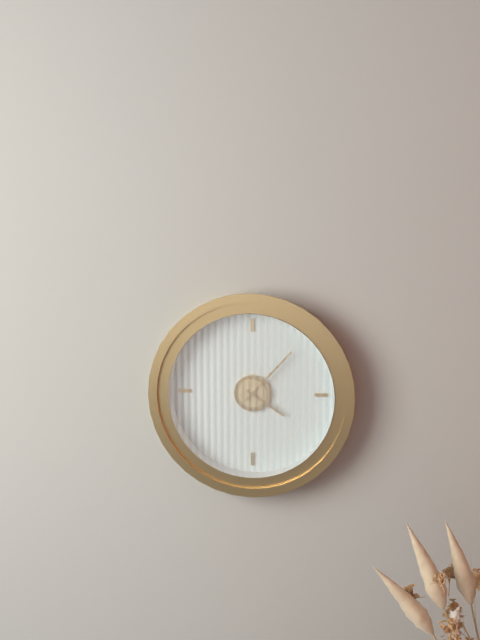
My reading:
4:07
